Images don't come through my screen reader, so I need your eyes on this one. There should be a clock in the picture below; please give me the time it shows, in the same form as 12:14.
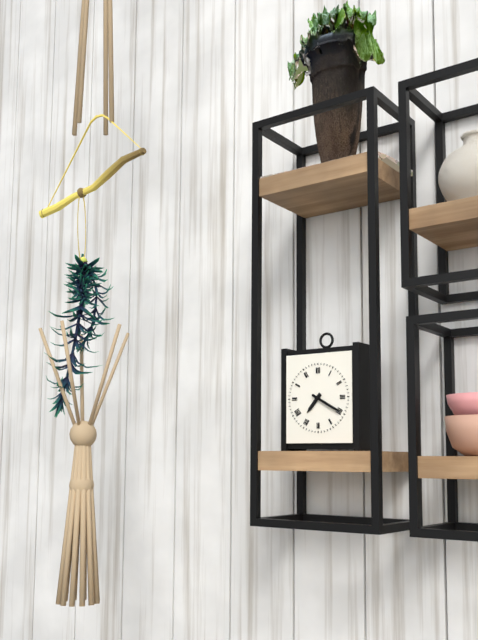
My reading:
7:20
